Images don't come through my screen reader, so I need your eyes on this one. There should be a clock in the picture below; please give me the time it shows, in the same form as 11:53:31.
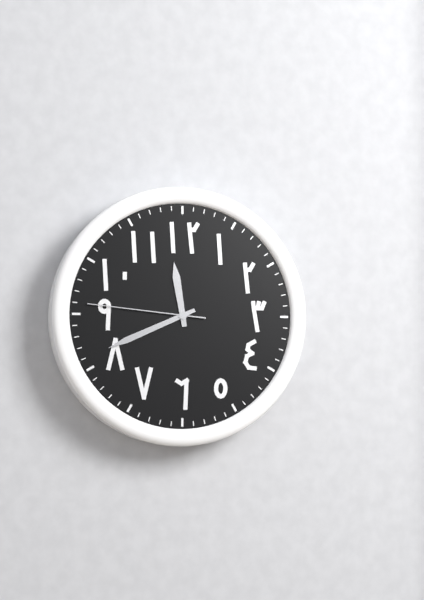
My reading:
11:41:46
